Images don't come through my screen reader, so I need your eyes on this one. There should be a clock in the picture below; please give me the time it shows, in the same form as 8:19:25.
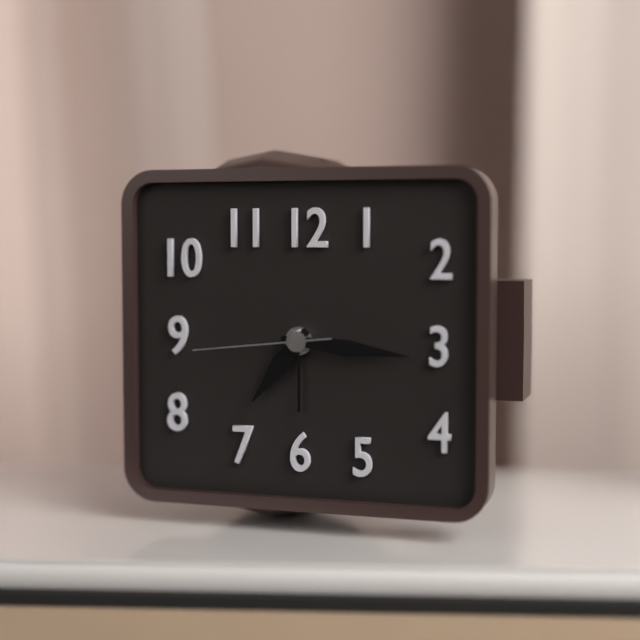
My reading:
7:16:44
